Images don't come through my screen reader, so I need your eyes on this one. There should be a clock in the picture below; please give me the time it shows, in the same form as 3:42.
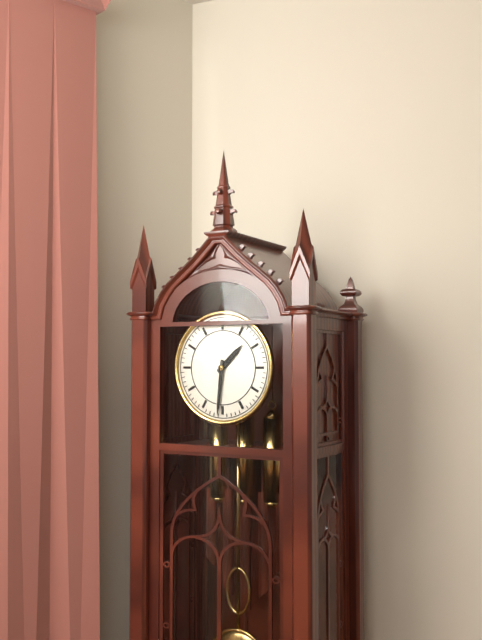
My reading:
1:31
